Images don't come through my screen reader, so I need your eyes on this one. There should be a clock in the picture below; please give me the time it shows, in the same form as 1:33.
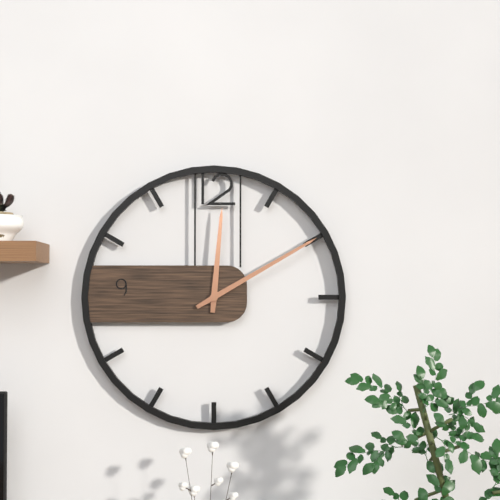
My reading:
12:10
